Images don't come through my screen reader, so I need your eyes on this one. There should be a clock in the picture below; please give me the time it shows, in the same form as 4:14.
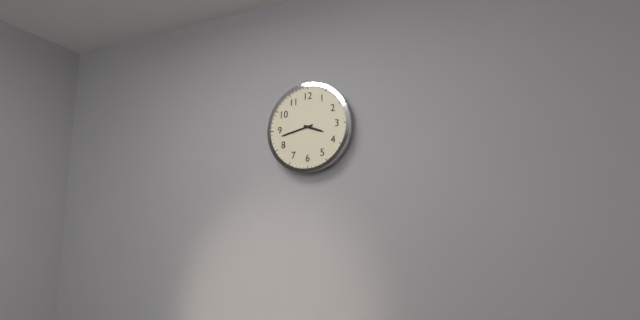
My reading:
3:43
